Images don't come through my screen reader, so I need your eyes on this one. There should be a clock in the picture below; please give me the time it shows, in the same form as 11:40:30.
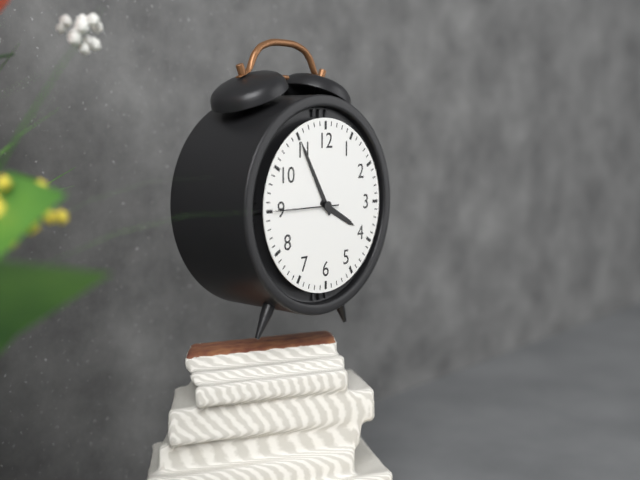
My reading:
3:55:45
